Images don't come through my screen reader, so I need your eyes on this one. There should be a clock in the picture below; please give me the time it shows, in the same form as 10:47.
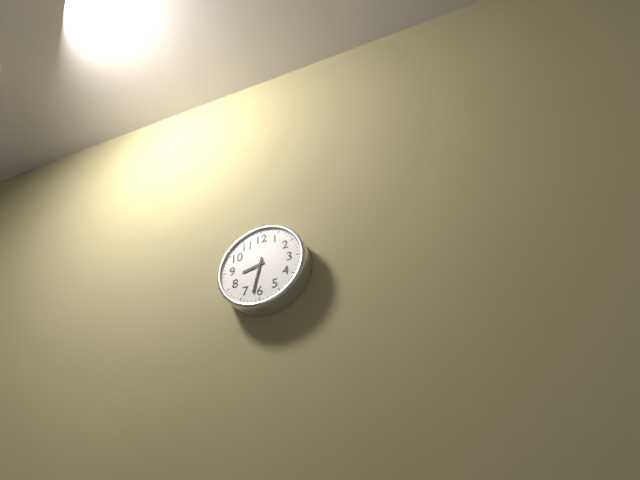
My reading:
8:32
